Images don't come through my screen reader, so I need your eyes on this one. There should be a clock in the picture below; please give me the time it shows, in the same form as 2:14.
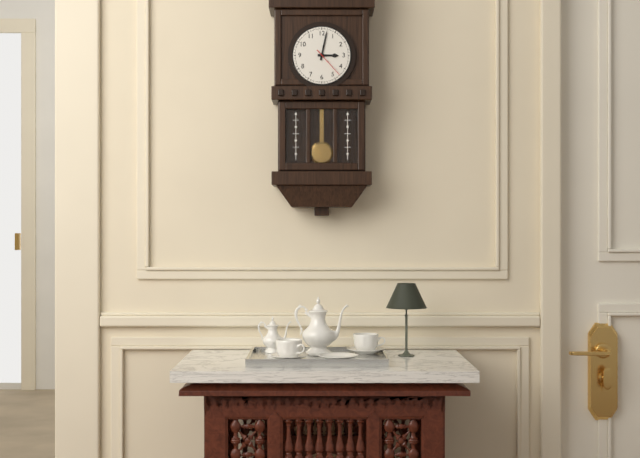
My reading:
3:02
